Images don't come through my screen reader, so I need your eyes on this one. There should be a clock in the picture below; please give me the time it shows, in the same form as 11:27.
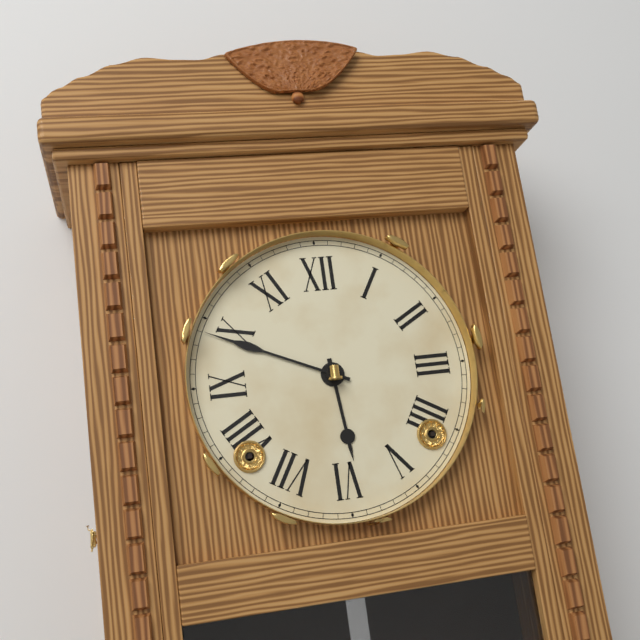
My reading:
5:49
